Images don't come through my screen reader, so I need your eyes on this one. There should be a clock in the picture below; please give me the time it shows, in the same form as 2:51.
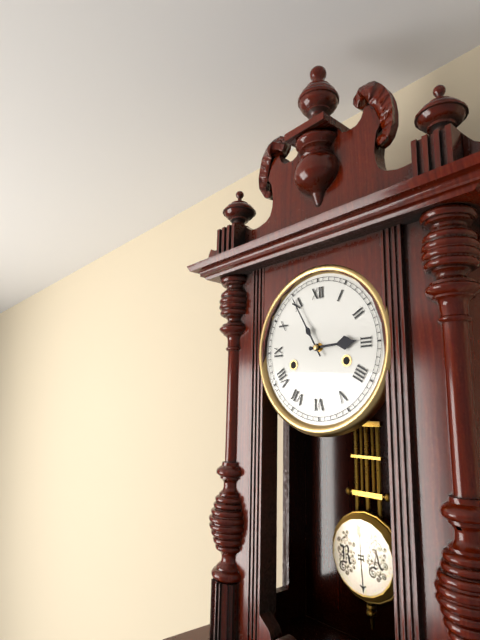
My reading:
2:55
